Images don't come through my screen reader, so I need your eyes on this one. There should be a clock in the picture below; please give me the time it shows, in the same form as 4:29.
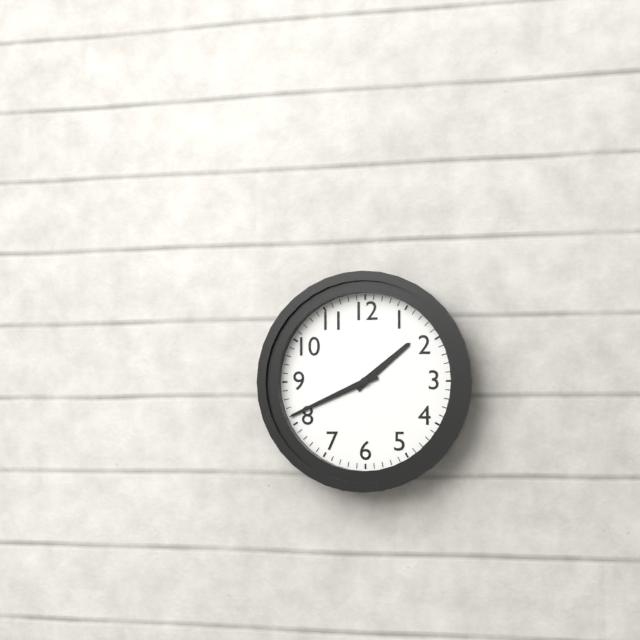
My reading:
1:41
